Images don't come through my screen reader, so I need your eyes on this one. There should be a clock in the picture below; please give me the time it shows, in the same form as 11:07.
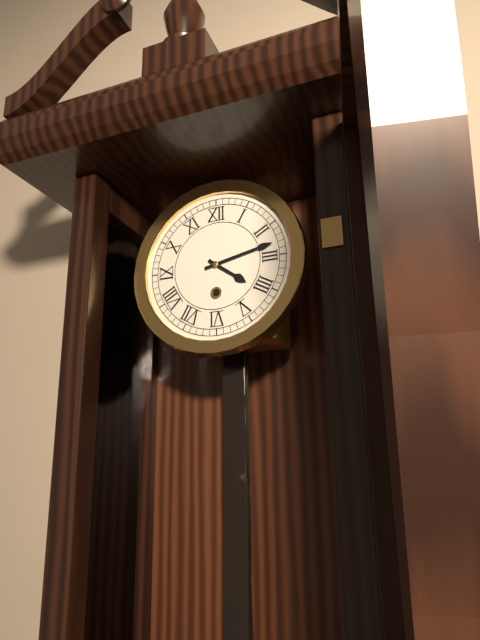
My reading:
4:13
